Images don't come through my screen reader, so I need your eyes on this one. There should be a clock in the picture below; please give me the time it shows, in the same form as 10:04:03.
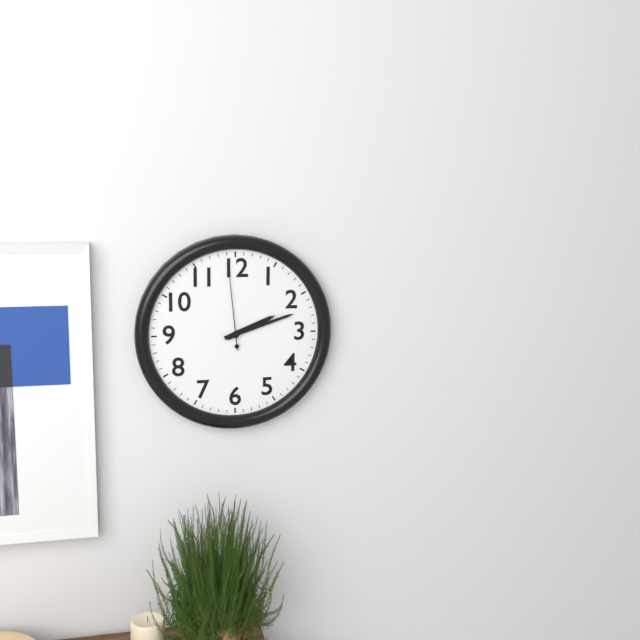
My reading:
2:12:59
